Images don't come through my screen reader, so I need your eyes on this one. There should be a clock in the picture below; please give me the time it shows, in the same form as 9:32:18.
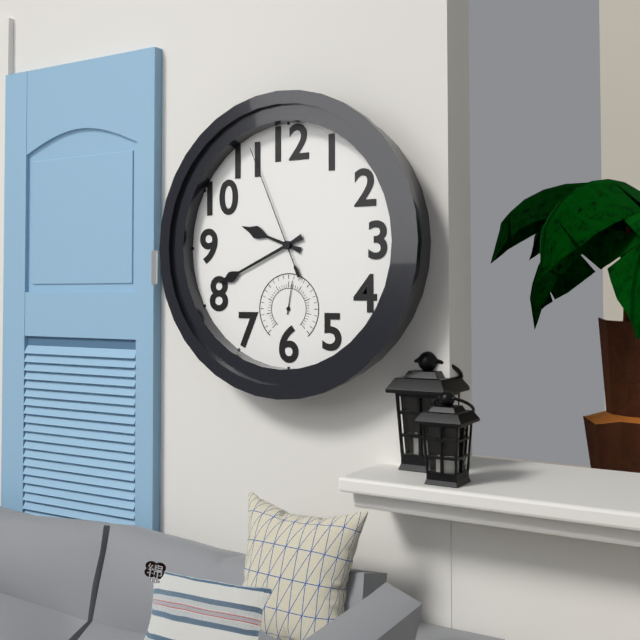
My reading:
9:41:56
